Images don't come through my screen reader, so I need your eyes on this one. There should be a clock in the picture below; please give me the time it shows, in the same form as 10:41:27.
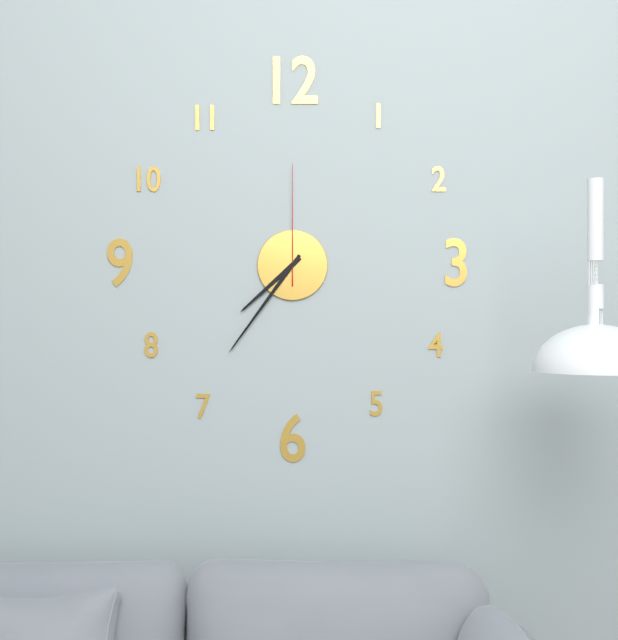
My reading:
7:36:00
